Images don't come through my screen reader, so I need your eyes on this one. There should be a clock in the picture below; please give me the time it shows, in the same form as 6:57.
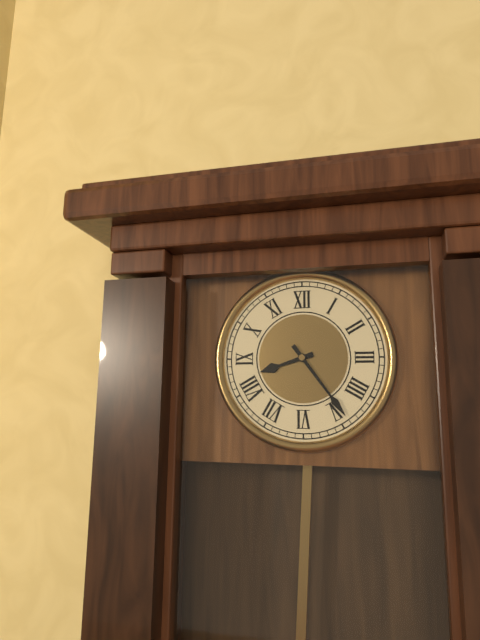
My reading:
8:24
